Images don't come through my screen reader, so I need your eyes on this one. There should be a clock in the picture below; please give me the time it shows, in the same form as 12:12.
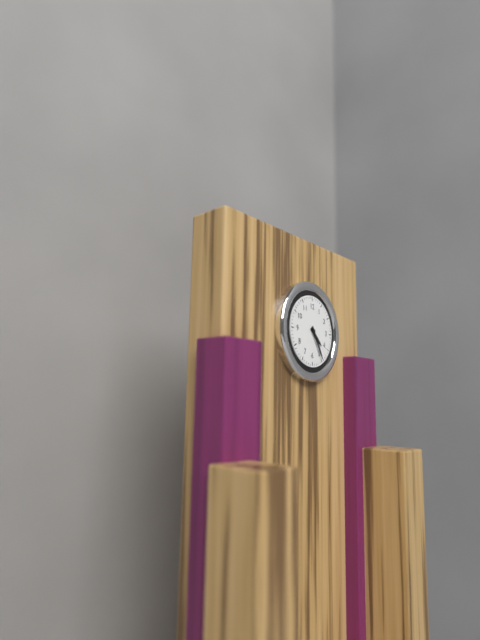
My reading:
4:25
